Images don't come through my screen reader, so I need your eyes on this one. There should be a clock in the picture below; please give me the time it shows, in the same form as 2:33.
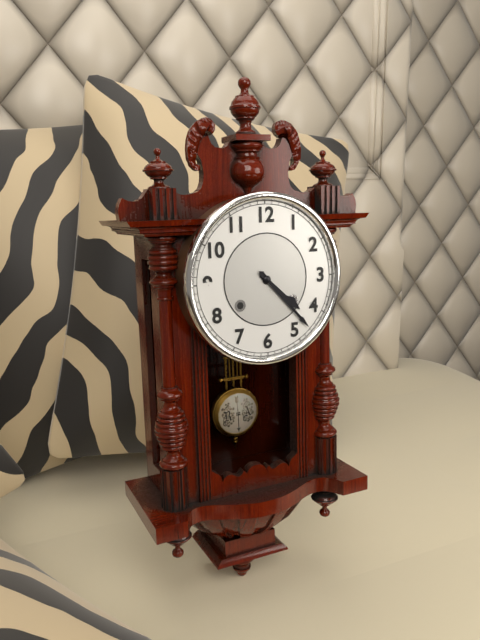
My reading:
4:23
